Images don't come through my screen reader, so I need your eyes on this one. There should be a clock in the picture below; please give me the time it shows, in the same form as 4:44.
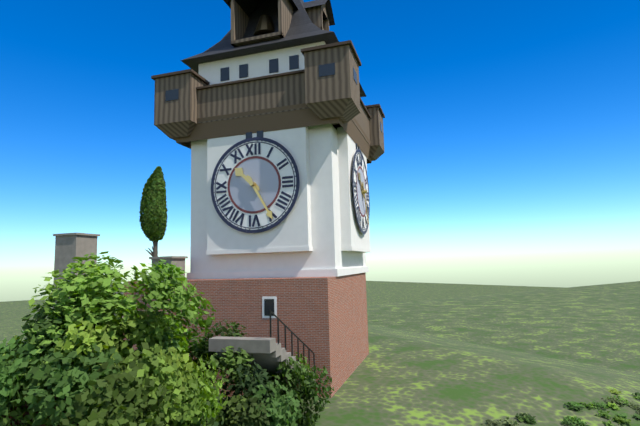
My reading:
10:25
